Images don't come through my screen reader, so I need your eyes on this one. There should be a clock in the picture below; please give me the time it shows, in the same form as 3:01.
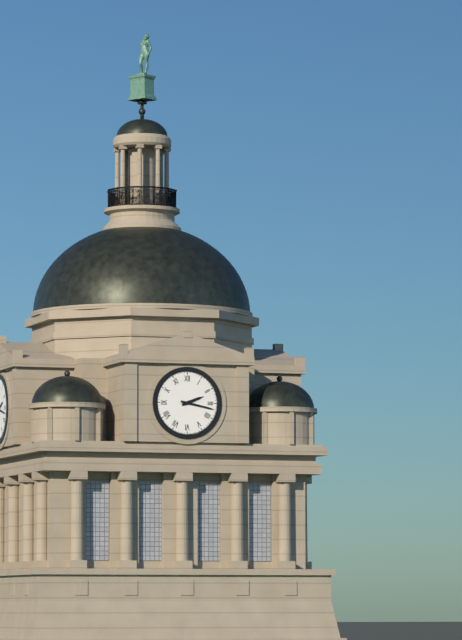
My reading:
2:17
